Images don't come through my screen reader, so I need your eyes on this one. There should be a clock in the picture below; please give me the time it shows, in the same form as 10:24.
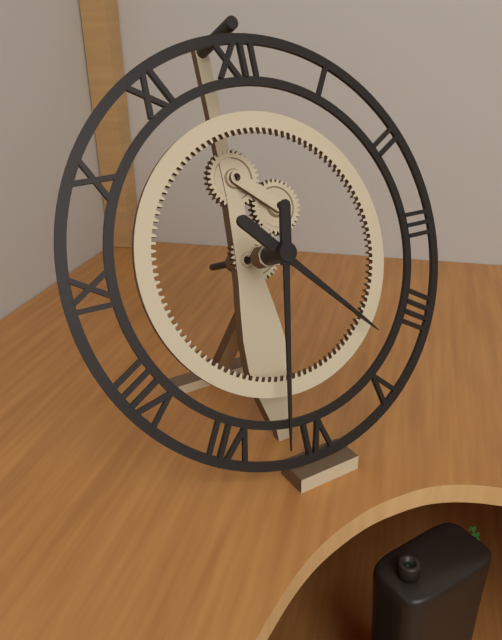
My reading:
4:32
